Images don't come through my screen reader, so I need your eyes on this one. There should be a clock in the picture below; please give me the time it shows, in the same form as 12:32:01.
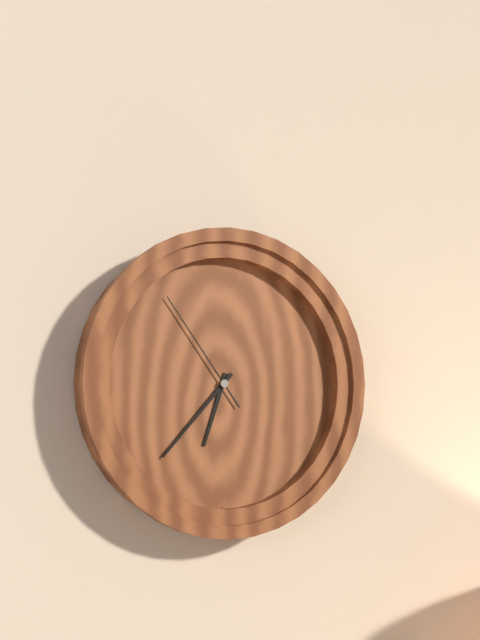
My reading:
6:37:54
